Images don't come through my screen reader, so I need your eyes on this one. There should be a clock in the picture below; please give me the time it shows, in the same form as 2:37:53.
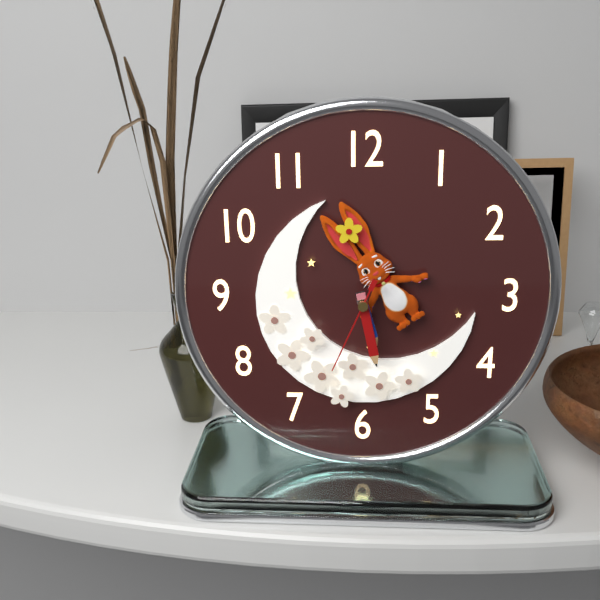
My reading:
5:28:34
